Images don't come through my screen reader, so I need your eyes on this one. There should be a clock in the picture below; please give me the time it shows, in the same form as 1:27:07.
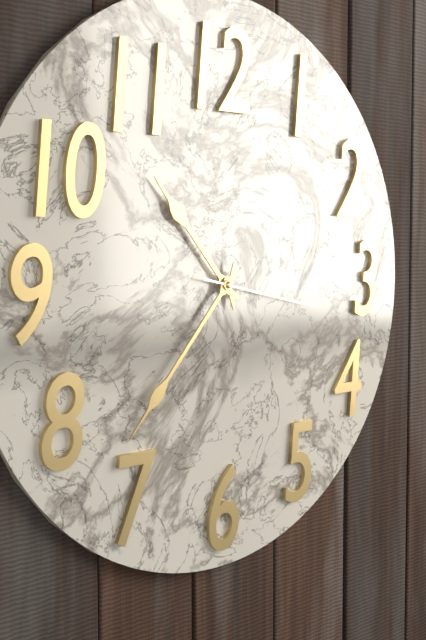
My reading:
10:37:17
